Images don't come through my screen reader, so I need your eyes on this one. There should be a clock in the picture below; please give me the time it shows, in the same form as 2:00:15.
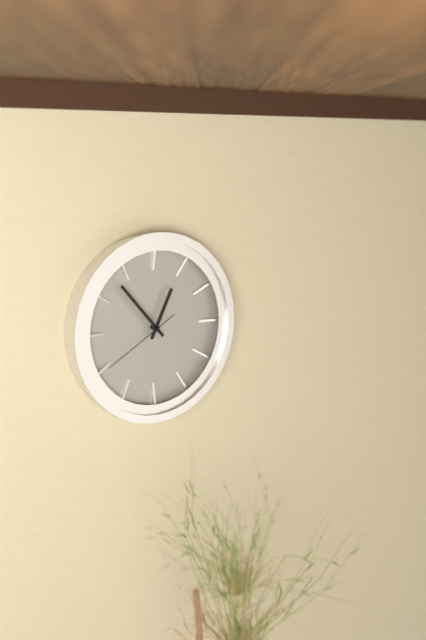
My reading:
12:53:40
